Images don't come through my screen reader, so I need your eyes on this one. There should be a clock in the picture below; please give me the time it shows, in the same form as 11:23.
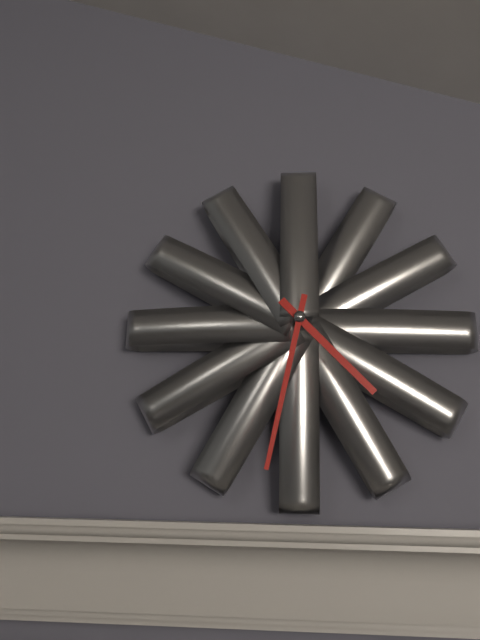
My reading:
4:32
